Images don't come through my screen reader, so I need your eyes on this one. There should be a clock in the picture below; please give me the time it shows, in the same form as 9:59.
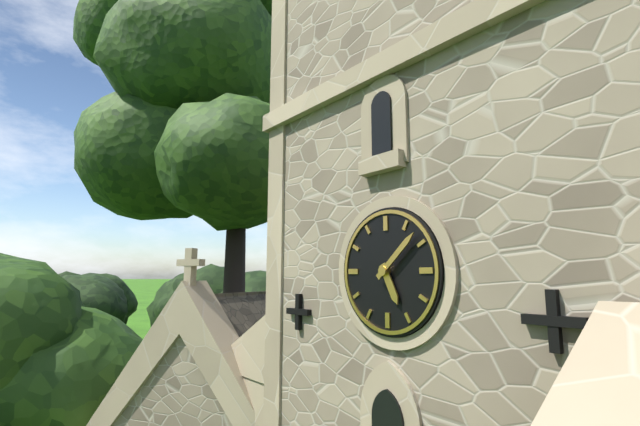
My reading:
5:08
